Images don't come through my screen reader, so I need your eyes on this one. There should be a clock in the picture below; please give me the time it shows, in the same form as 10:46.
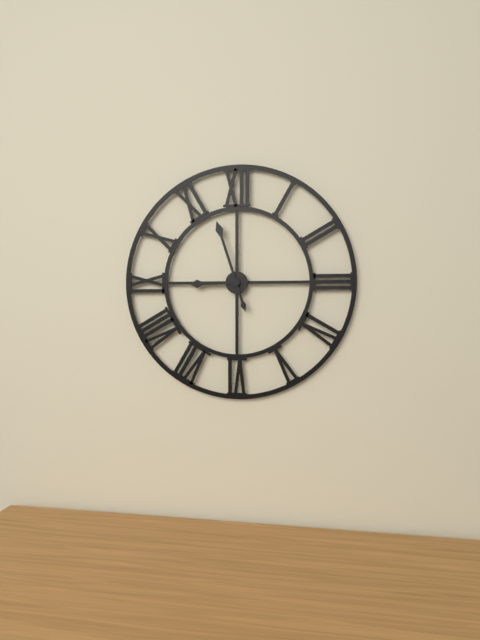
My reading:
8:57
